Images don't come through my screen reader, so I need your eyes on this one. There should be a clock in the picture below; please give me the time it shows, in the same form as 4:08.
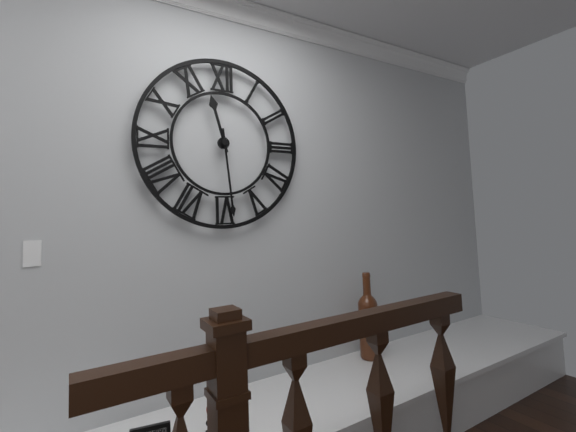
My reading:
11:29
